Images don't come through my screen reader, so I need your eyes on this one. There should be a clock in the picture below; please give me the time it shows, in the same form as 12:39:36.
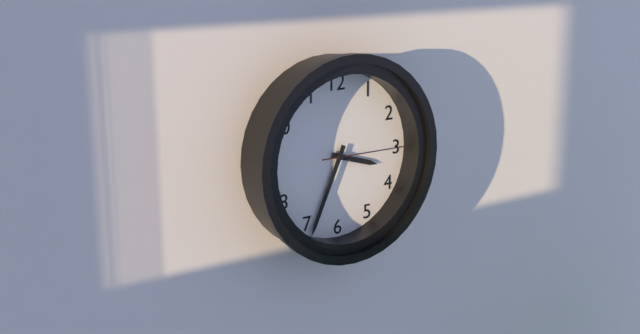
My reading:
3:34:15
